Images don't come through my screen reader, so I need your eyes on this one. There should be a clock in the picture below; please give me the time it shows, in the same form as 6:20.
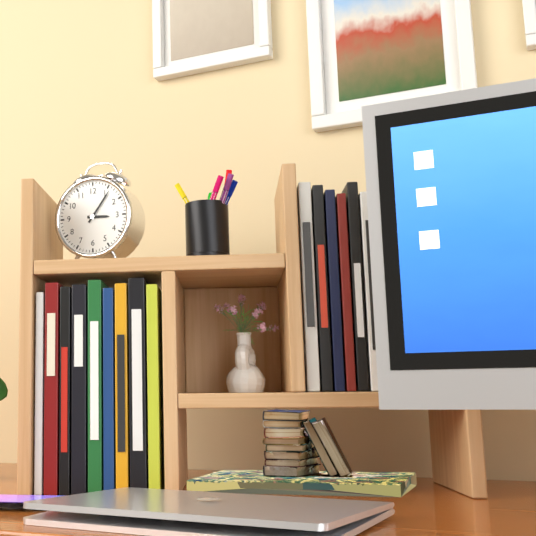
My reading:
3:06
